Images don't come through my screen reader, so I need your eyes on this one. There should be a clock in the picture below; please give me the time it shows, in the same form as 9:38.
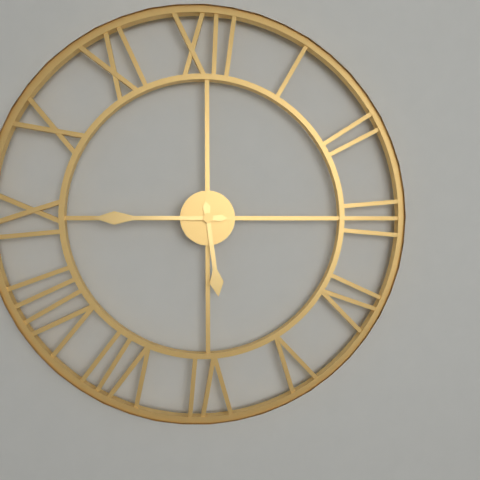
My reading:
5:45
